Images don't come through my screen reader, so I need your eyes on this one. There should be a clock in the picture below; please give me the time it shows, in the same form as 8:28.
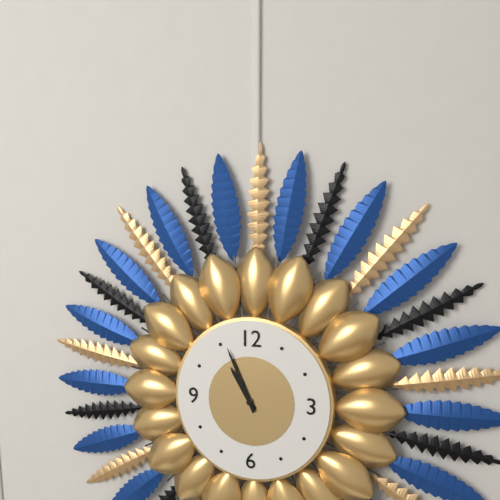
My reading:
10:56
